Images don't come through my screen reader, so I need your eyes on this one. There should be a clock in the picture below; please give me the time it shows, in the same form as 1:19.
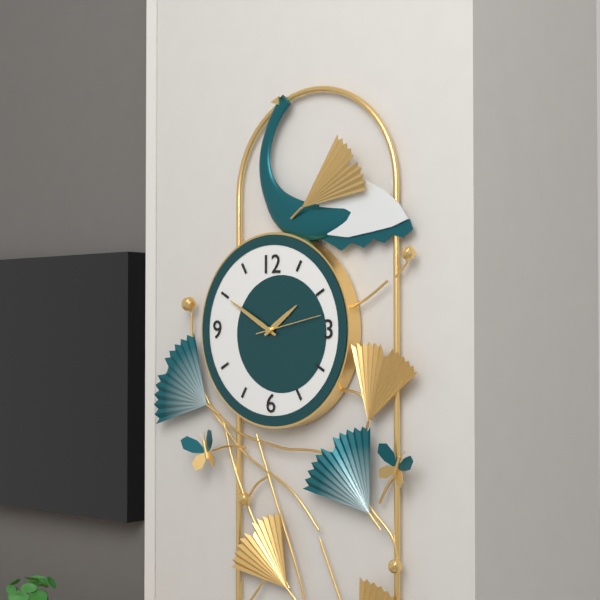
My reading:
1:50
